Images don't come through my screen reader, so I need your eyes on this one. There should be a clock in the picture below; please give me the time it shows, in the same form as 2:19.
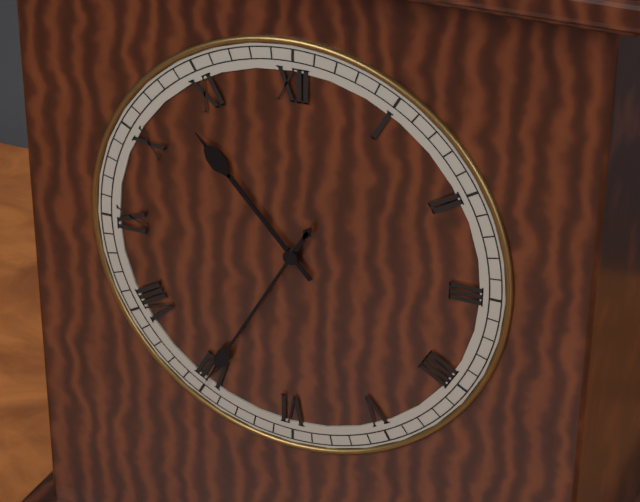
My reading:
10:35
